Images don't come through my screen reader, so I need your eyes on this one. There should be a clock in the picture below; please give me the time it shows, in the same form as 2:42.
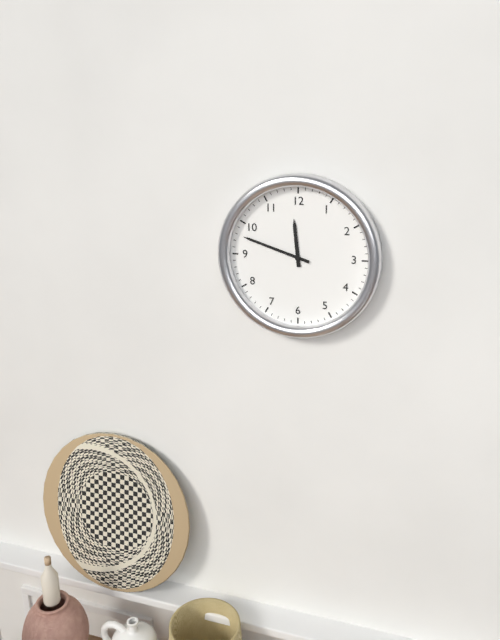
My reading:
11:48
